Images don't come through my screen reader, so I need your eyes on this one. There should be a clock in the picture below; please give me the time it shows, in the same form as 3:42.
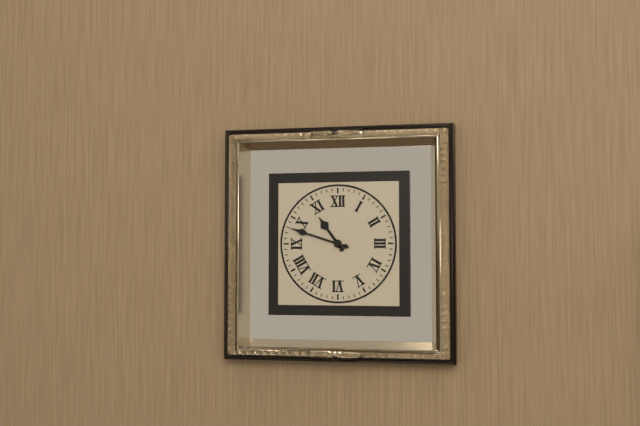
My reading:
10:48
